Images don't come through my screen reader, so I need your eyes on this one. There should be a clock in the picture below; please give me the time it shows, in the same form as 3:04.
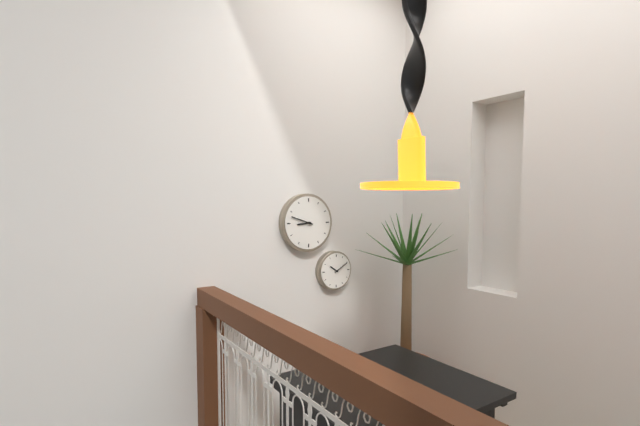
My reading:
8:48
